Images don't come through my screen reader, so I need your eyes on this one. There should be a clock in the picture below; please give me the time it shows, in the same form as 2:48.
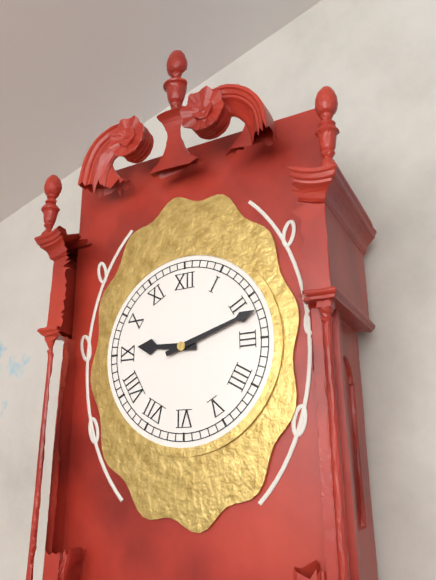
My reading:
9:12
